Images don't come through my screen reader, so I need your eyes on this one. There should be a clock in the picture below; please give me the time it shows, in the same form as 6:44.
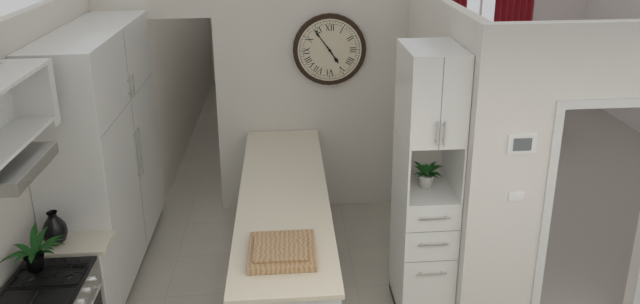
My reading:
4:54
